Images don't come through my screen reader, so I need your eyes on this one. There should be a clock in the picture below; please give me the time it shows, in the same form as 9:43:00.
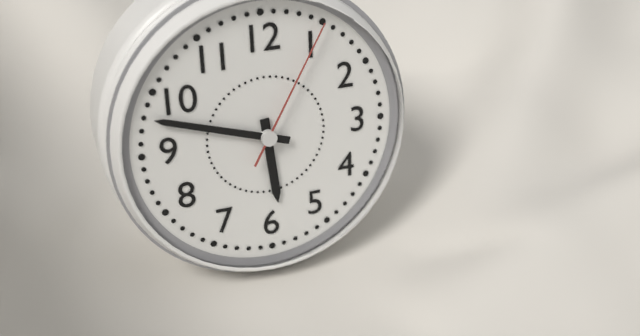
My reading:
5:48:05
